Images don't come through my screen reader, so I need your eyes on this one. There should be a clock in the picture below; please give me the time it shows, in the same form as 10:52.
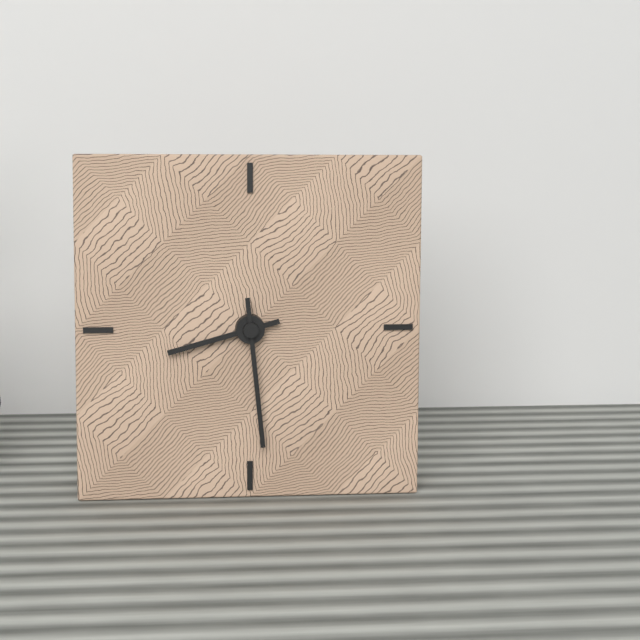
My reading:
8:29
